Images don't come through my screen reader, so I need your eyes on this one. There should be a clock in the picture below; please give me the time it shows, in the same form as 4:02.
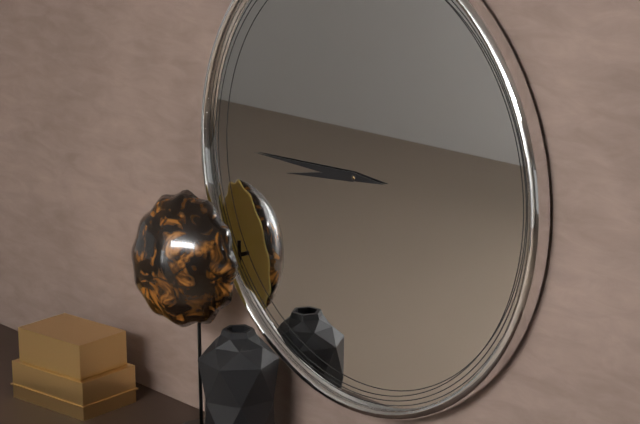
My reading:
8:45
